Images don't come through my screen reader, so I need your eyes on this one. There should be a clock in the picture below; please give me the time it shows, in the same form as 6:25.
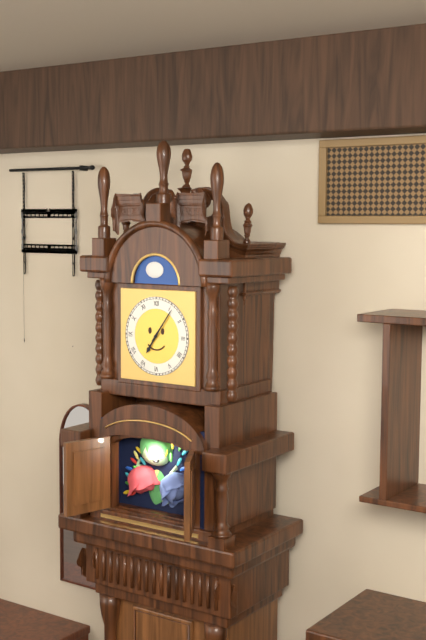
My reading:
7:06
